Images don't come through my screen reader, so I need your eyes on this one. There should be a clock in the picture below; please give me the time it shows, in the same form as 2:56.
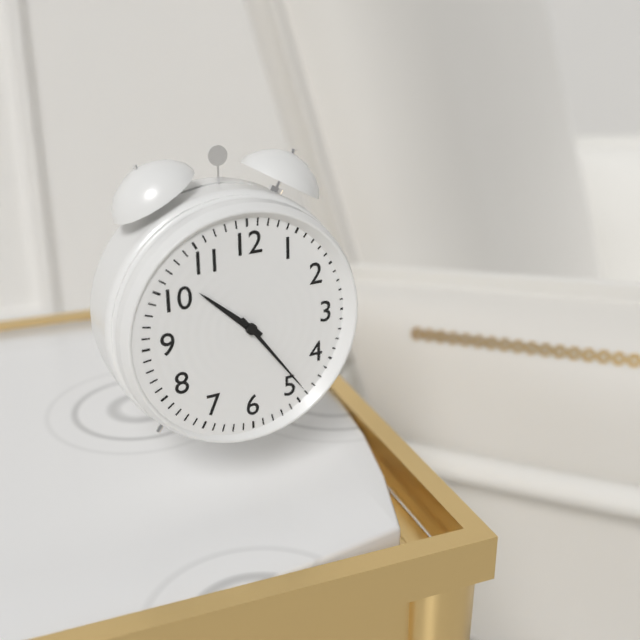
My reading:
10:24
